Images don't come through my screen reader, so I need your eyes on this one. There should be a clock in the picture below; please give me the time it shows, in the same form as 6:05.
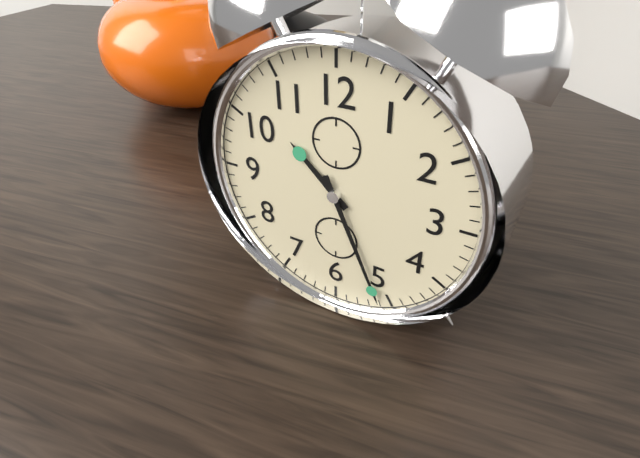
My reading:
10:26
